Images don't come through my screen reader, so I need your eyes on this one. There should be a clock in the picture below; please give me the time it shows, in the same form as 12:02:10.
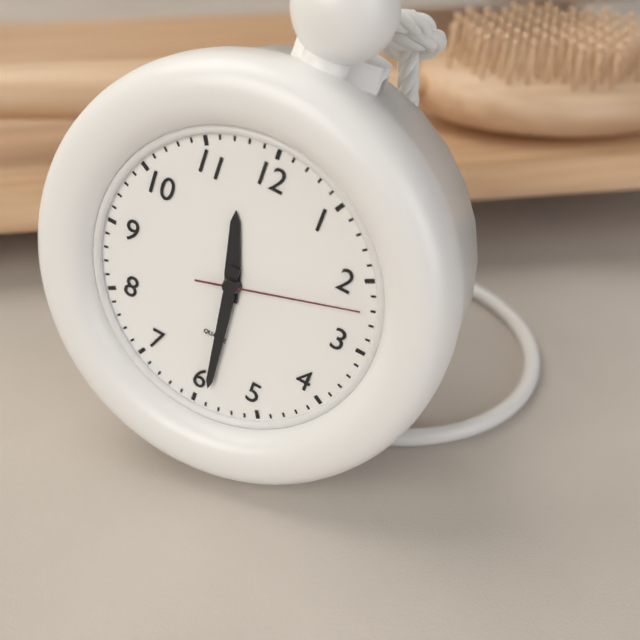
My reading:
11:29:12
